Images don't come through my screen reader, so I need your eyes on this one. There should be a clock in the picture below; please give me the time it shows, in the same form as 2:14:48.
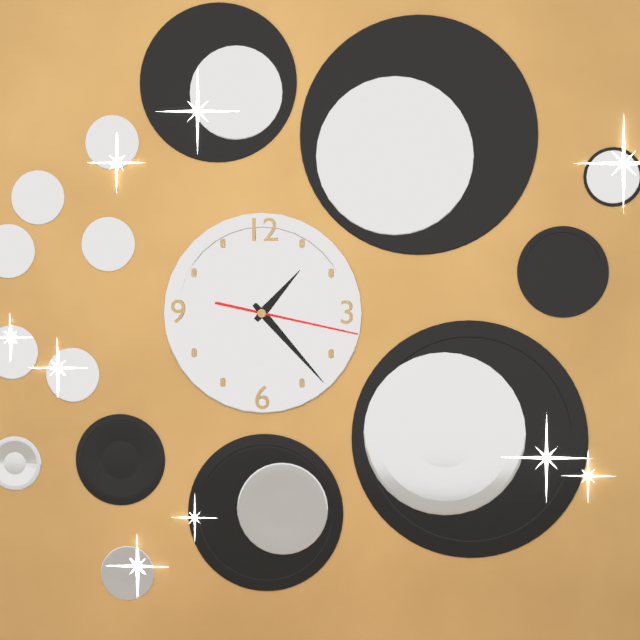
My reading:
1:23:17
